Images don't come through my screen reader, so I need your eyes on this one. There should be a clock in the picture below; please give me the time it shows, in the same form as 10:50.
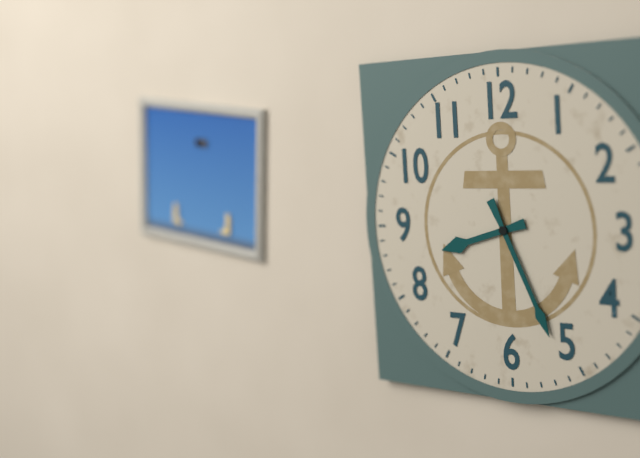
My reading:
8:26
